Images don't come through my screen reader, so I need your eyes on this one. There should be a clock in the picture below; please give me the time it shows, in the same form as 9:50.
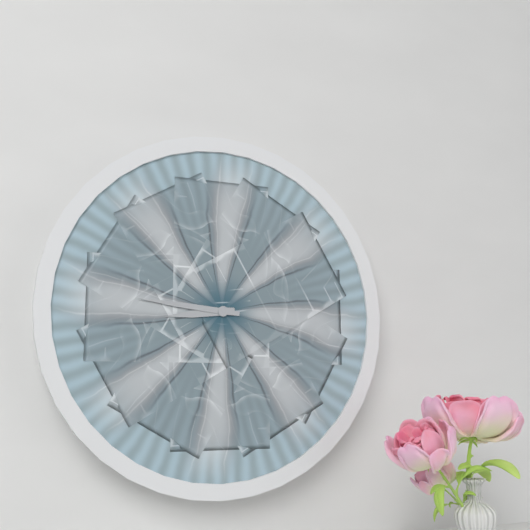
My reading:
8:46
